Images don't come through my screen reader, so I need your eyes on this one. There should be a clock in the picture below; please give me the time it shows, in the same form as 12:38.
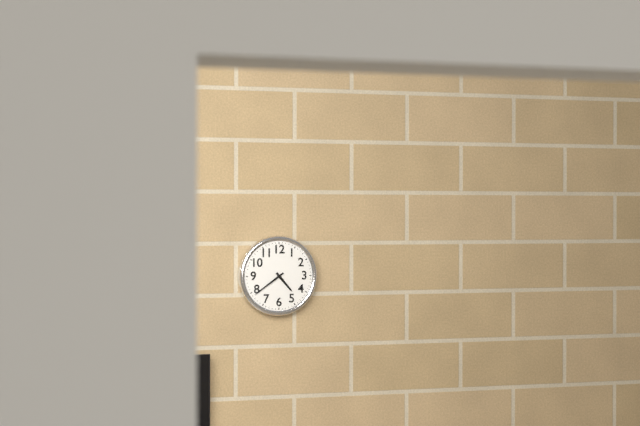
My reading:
4:39
